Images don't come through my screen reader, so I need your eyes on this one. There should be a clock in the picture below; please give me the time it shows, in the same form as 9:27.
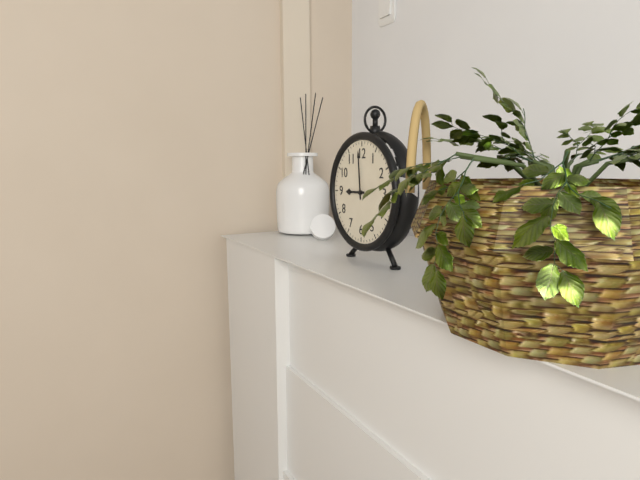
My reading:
8:59
